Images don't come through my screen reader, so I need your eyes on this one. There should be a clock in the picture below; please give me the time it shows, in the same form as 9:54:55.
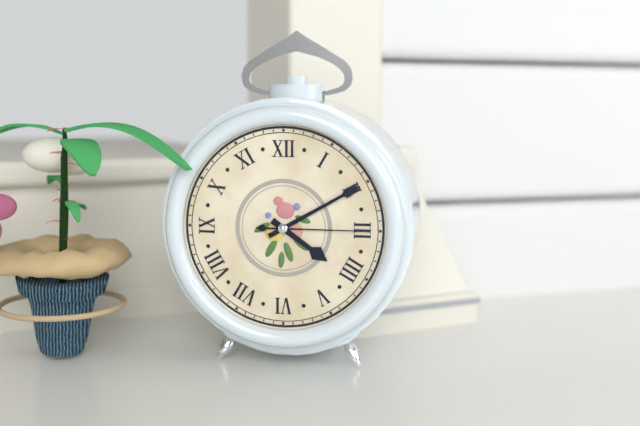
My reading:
4:10:15
